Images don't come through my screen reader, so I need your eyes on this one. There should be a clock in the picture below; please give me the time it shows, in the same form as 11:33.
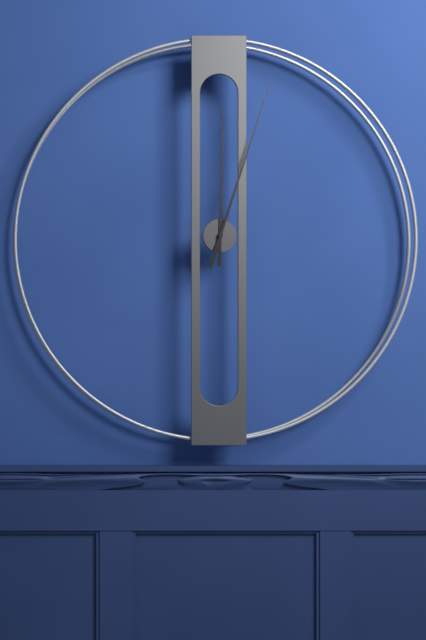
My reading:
12:03
